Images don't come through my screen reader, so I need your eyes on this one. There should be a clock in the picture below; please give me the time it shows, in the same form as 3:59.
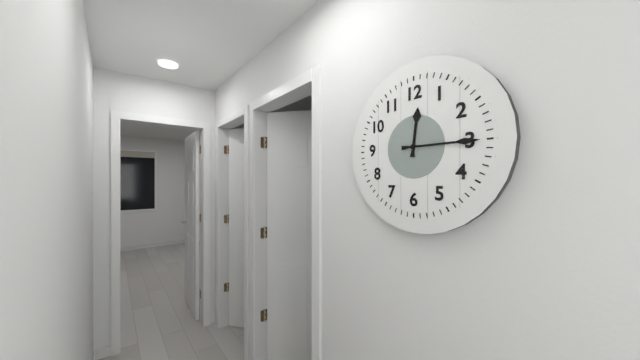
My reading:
12:15
